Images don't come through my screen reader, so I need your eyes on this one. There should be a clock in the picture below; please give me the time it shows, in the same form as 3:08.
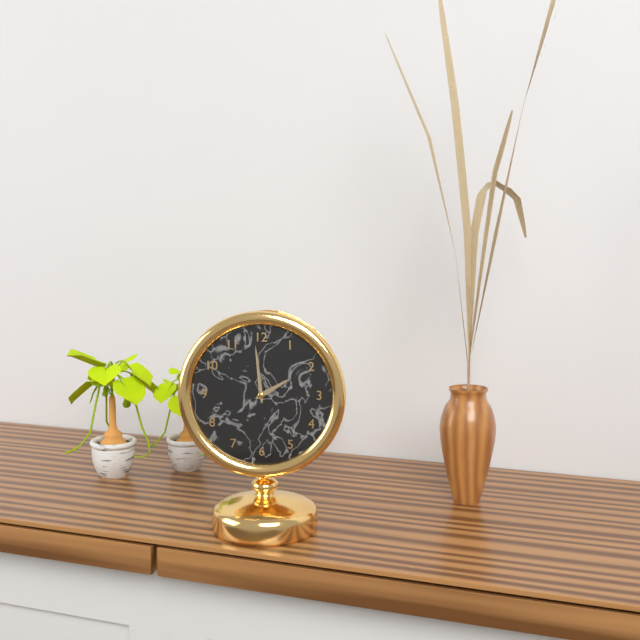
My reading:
1:59
